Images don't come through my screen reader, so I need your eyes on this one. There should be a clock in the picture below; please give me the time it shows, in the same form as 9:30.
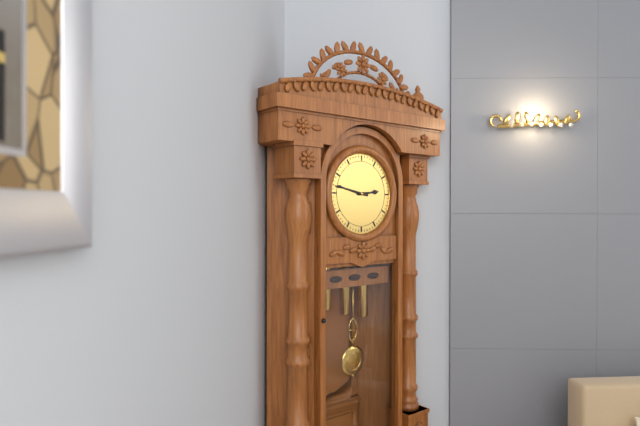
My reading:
2:47
